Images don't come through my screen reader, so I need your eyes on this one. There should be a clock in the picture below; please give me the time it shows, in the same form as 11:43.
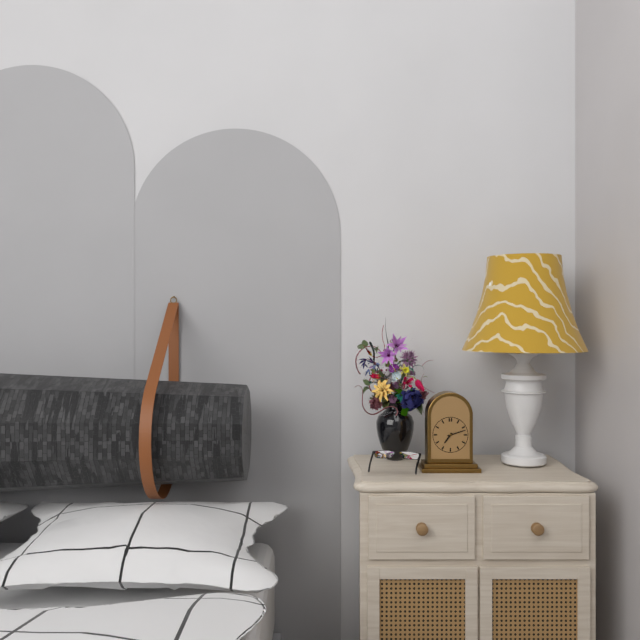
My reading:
7:12
